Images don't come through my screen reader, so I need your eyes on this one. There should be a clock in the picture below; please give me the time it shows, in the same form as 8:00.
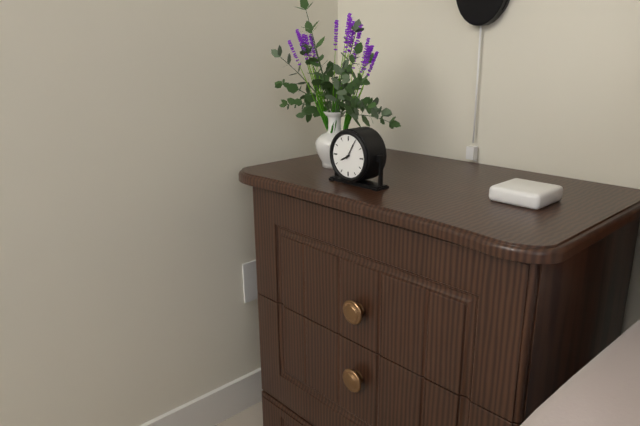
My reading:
8:05
